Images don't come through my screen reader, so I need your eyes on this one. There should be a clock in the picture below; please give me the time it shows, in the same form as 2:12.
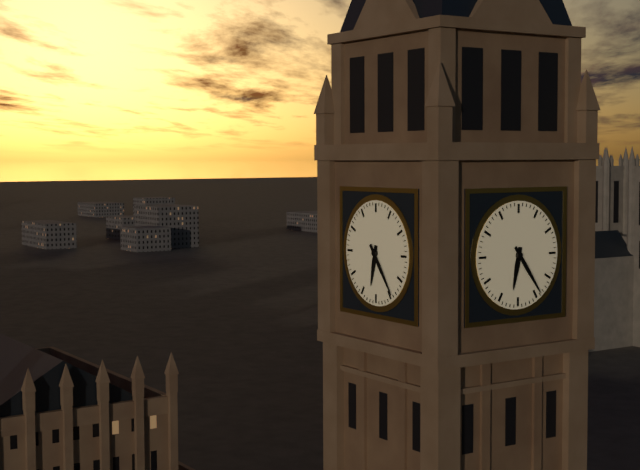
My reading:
6:24
